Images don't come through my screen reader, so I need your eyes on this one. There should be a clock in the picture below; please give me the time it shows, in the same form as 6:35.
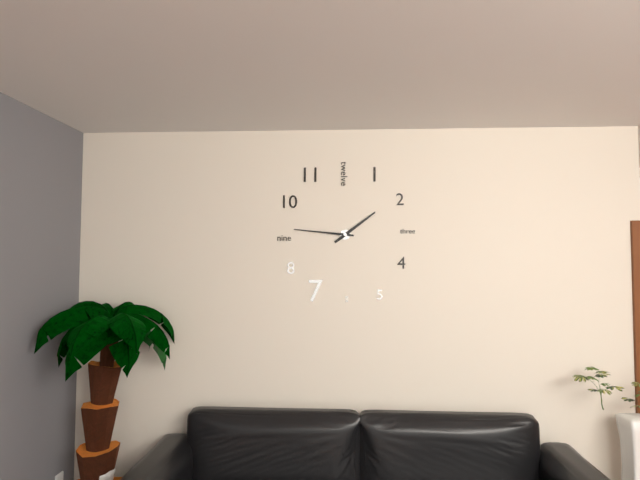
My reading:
1:46
